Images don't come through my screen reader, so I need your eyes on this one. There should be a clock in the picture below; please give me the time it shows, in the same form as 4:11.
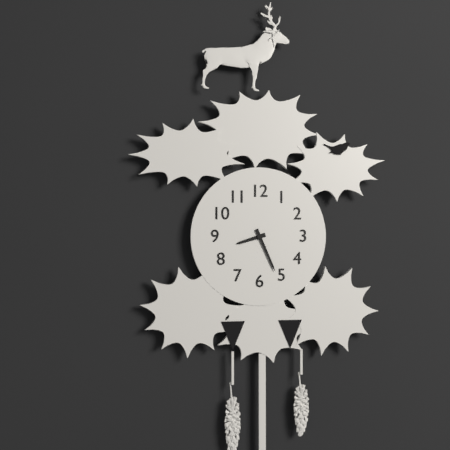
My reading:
8:26
